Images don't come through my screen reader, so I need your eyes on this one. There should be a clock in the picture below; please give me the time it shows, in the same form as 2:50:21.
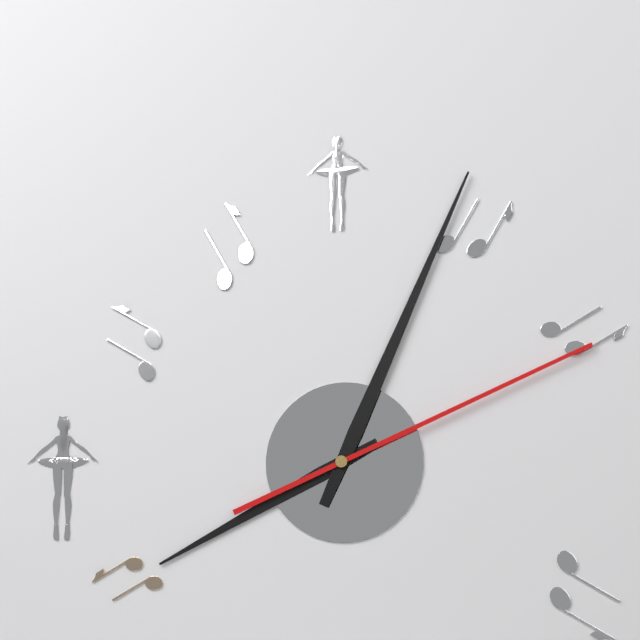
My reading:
8:04:11
